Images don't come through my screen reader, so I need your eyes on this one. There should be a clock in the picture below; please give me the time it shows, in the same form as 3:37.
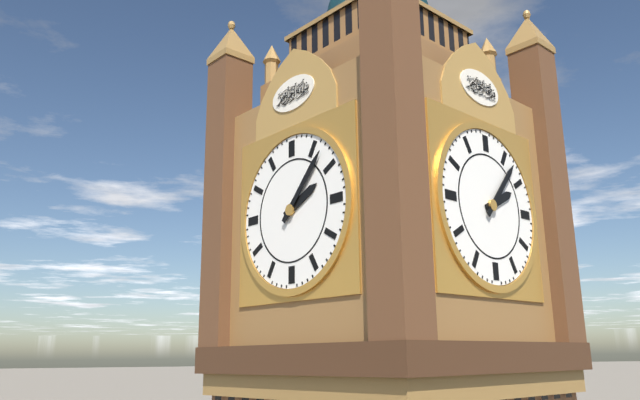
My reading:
2:07
